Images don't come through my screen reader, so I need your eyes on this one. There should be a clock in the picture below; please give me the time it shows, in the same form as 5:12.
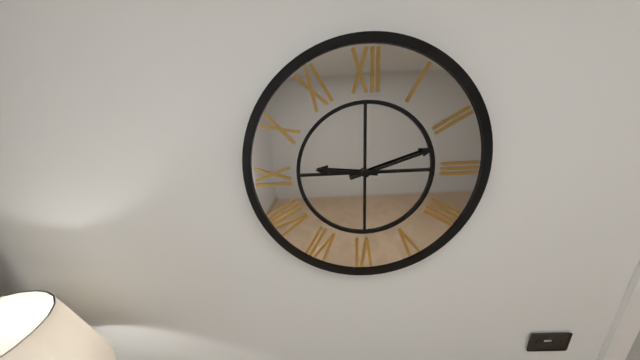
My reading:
9:12
